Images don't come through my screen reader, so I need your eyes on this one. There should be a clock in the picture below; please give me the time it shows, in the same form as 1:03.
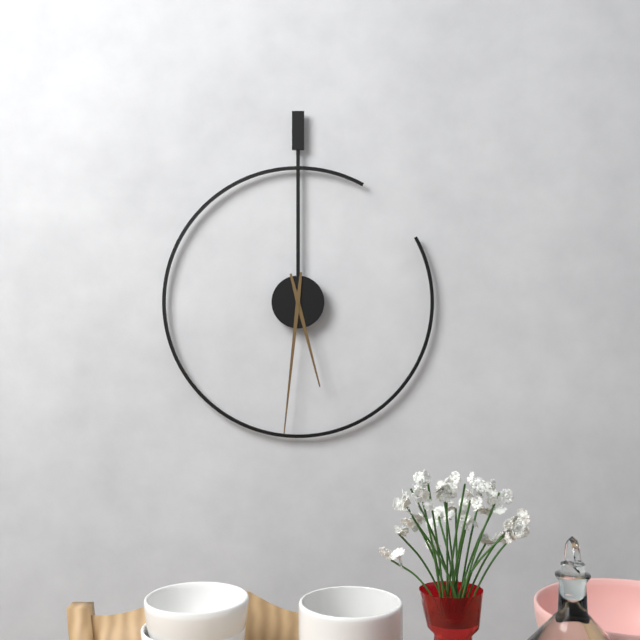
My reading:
5:31
